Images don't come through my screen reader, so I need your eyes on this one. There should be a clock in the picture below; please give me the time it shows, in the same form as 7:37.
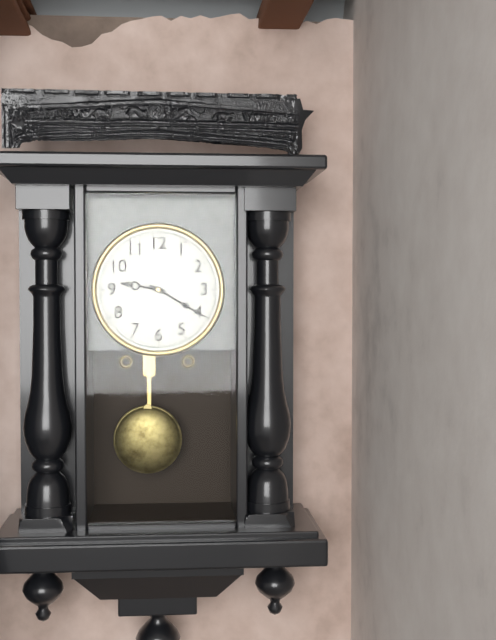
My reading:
9:20
